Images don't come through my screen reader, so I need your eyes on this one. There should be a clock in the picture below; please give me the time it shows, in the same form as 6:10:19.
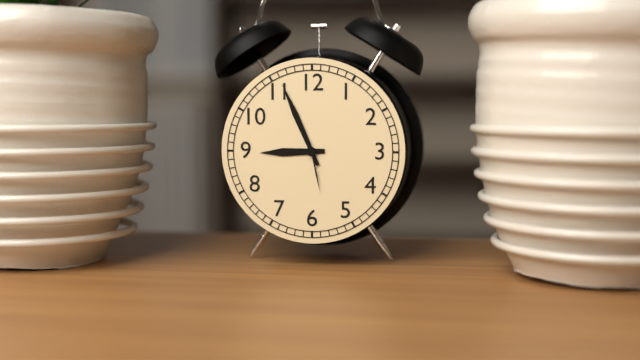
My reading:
8:56:28
